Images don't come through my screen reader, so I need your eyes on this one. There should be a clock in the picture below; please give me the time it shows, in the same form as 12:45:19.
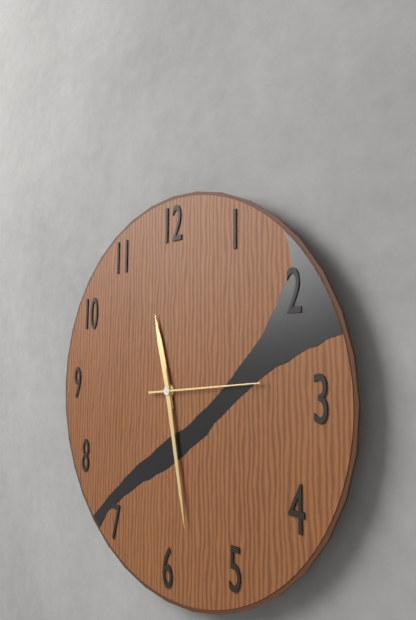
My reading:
11:28:14
